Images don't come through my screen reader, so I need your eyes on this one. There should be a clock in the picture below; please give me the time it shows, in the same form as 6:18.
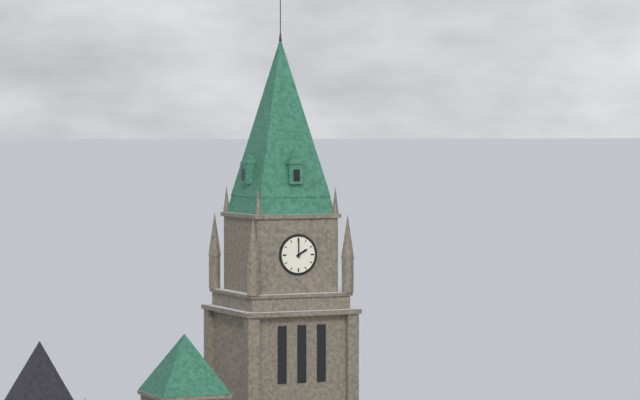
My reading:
2:00
